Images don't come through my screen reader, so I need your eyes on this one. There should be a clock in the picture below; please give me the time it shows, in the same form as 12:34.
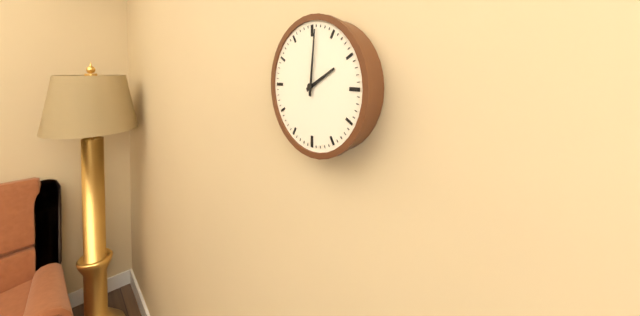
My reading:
2:01
